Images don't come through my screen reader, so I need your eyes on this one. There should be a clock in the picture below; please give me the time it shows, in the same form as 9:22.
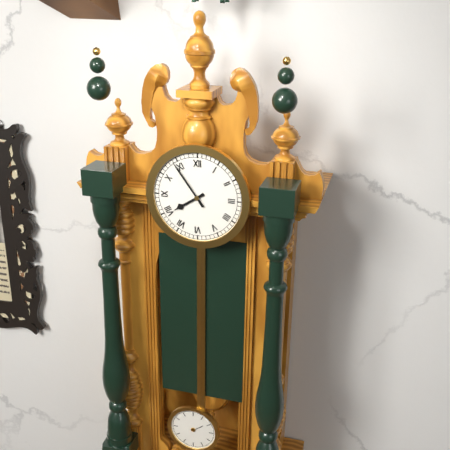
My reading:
7:54
